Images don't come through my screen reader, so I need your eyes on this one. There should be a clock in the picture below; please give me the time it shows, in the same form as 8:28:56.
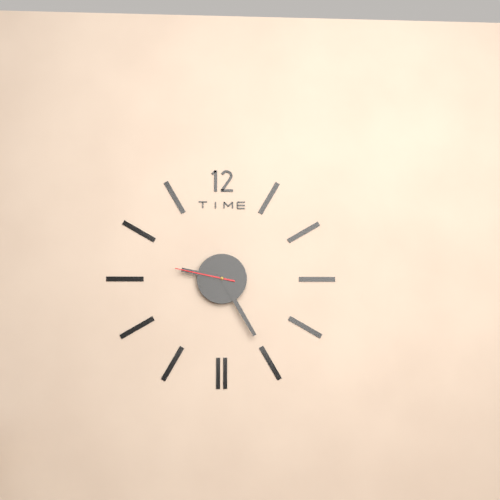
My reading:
9:25:47
